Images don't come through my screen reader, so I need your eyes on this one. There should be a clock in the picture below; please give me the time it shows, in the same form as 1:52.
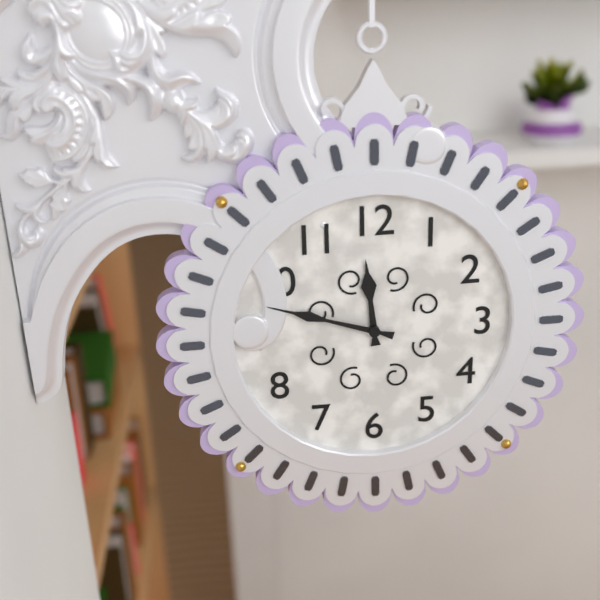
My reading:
11:48
